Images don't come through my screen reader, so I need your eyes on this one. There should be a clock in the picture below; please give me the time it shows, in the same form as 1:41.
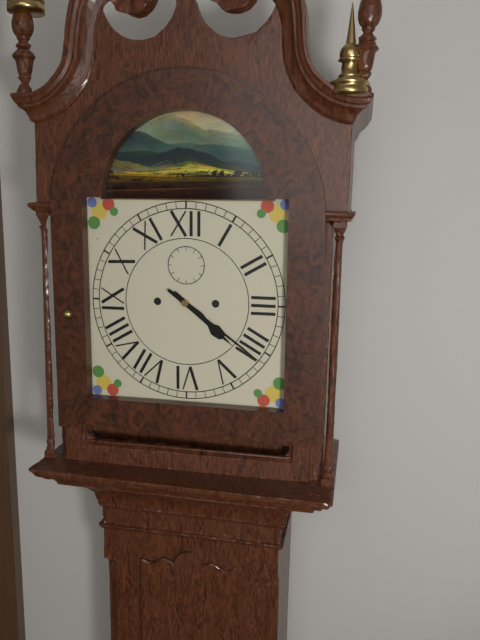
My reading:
4:21
